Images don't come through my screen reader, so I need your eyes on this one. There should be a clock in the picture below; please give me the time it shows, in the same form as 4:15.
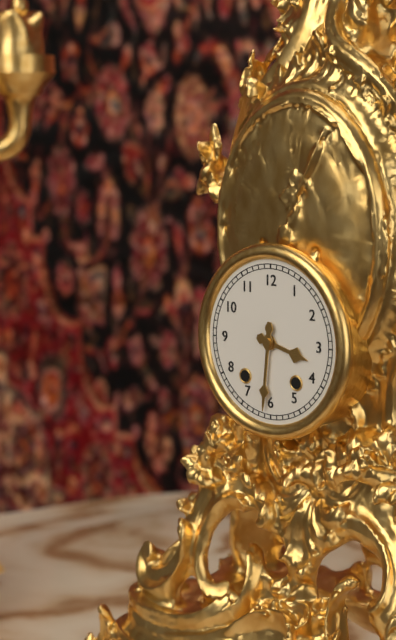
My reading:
3:31
